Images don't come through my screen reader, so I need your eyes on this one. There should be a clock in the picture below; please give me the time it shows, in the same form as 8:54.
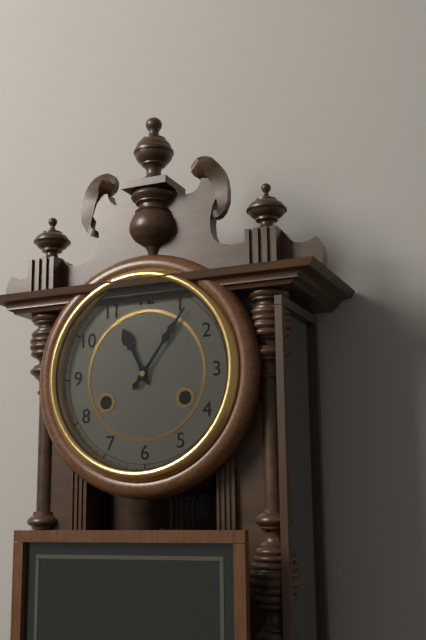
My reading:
11:06
